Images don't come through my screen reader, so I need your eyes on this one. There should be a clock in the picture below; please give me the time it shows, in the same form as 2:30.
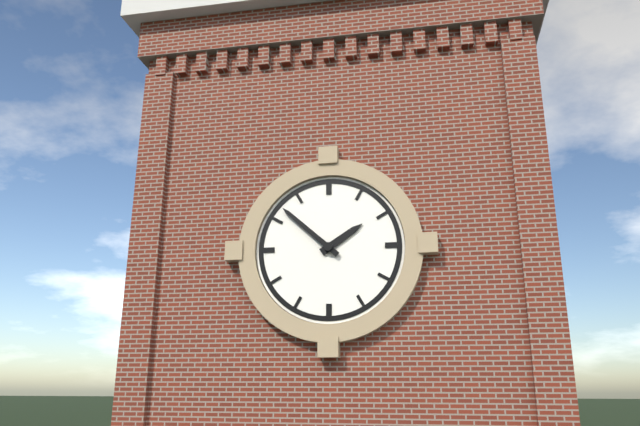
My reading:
1:52
